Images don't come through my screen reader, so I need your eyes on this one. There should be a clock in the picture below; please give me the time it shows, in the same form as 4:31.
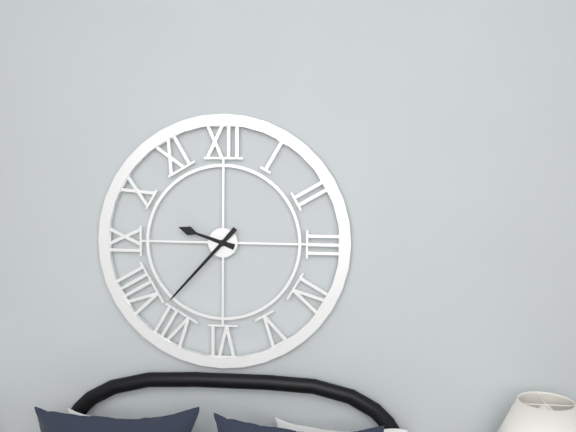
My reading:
9:37
